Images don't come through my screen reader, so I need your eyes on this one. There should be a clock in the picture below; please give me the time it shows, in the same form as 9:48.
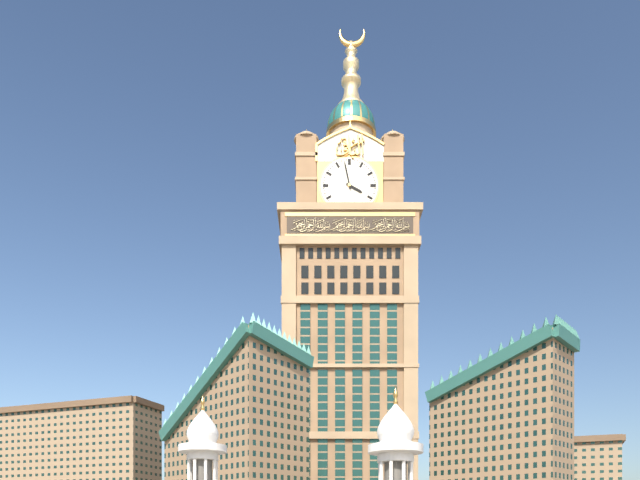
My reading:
3:58
